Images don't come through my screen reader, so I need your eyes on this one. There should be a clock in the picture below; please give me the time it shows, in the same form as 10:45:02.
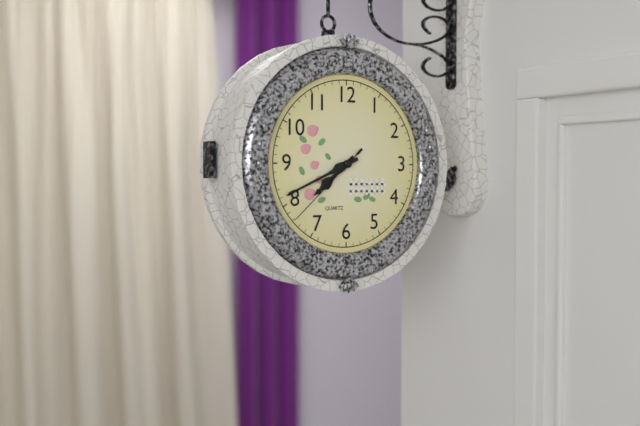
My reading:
7:41:38
